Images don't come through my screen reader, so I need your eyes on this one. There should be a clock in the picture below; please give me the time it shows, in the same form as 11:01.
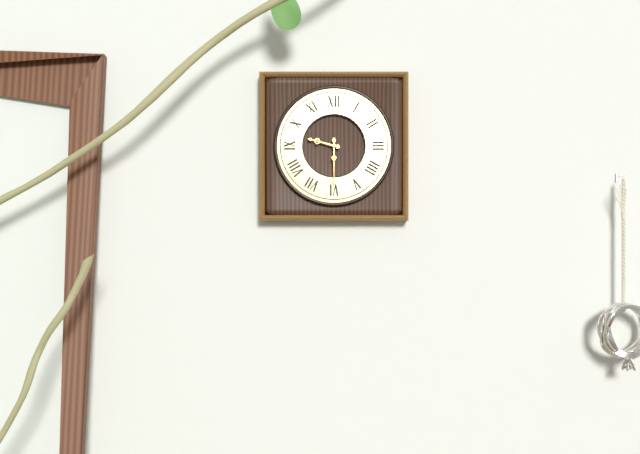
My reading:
9:30
